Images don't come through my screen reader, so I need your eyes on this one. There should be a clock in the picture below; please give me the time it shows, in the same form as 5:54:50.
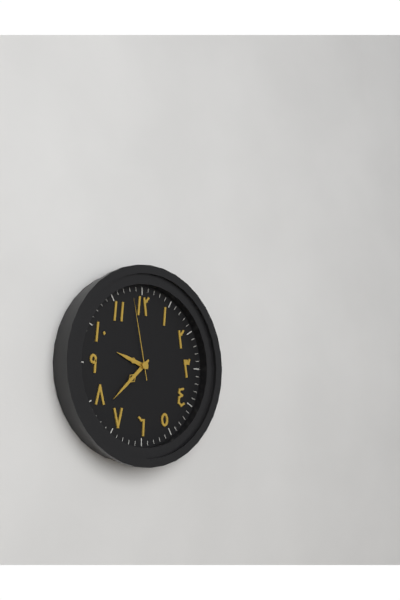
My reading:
9:38:58
